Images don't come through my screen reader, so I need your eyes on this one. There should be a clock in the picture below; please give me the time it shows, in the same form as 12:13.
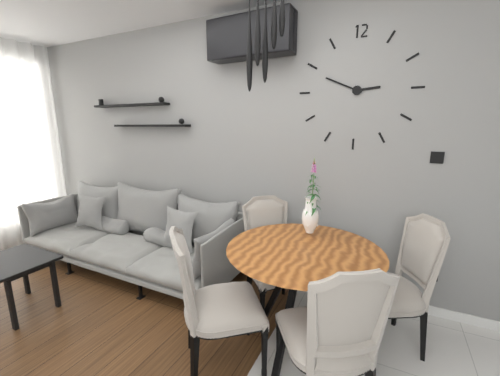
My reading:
2:49
